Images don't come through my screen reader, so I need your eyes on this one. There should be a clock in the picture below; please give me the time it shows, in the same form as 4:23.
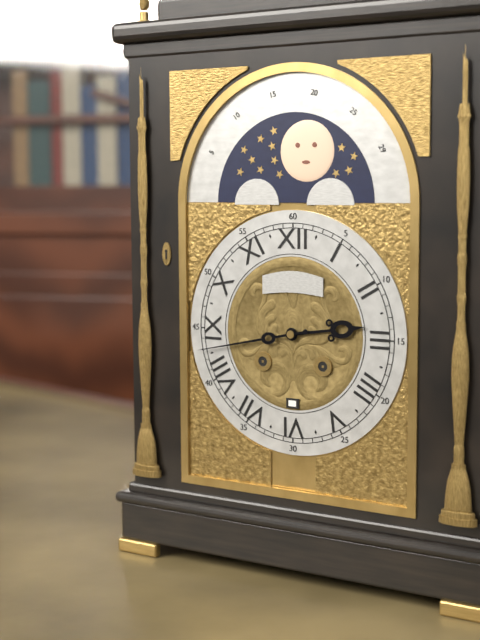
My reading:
2:43
